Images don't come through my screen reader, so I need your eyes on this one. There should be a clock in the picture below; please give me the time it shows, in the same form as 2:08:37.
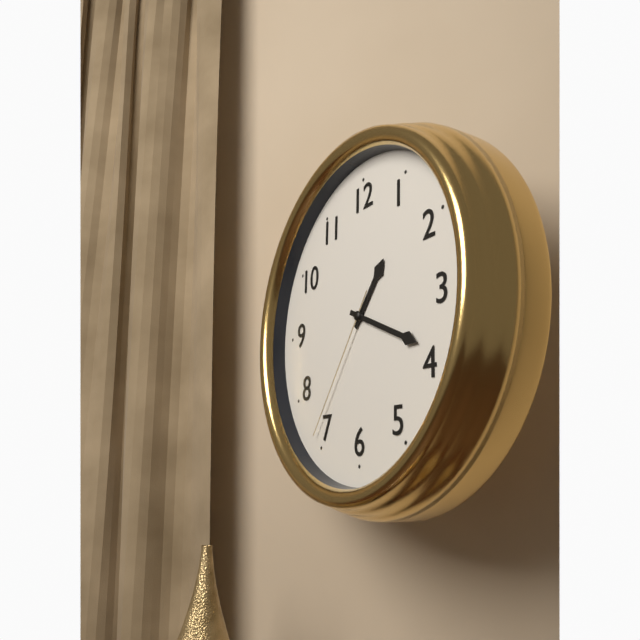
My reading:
1:19:36
